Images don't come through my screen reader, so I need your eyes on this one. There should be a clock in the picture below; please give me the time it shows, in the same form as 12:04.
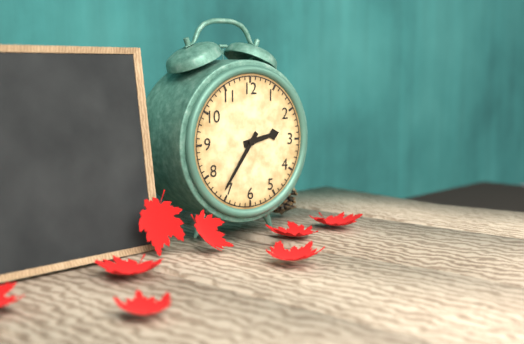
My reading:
2:36
